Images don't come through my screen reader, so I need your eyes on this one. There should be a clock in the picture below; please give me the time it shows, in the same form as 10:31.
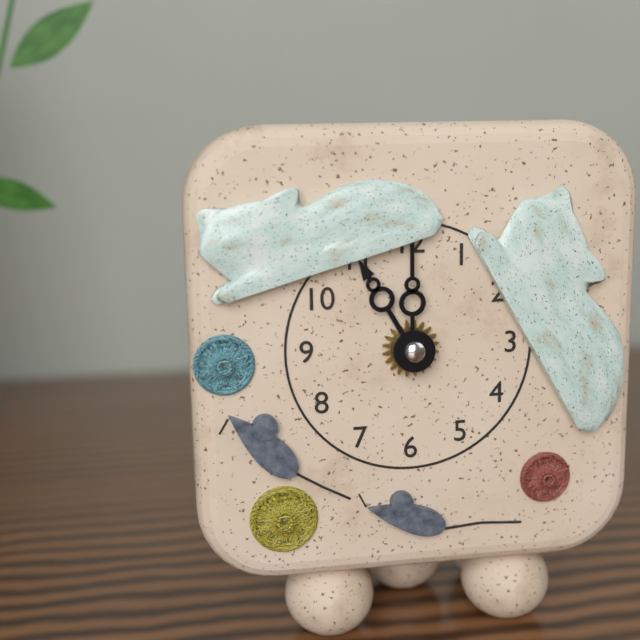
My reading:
11:00
